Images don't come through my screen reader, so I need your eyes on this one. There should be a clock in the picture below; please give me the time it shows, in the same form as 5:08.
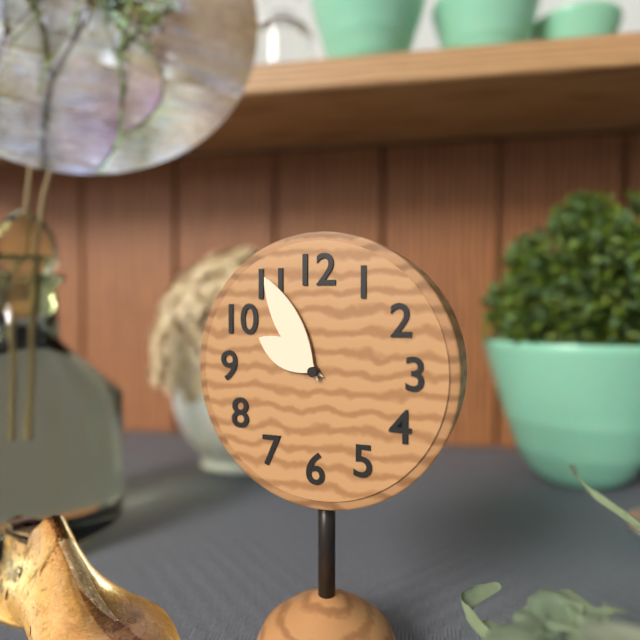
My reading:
9:55
